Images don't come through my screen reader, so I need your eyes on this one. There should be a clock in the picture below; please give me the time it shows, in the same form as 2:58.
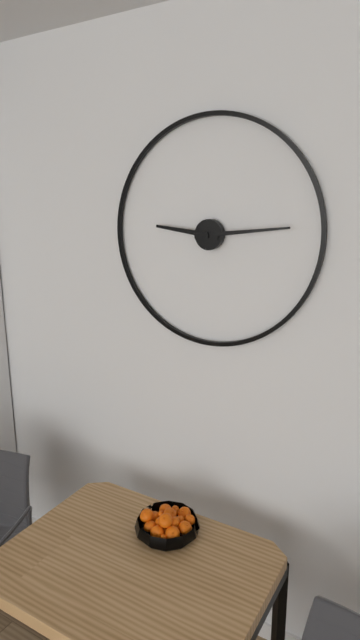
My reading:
9:14
